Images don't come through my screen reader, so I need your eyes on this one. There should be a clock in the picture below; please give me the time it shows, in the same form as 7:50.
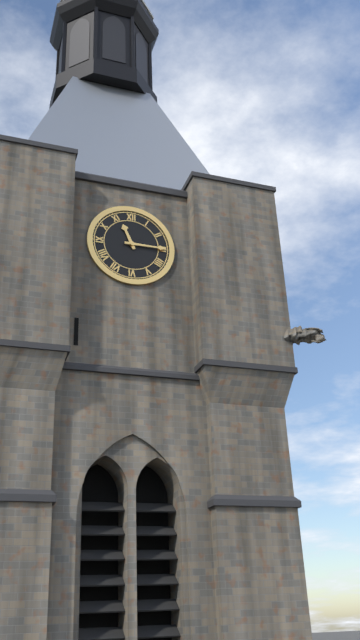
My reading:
11:15
